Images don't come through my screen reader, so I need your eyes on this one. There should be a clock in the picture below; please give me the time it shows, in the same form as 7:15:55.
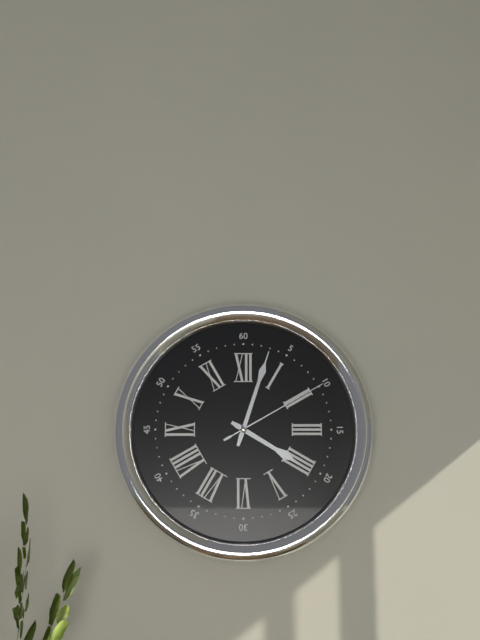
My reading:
4:03:10
